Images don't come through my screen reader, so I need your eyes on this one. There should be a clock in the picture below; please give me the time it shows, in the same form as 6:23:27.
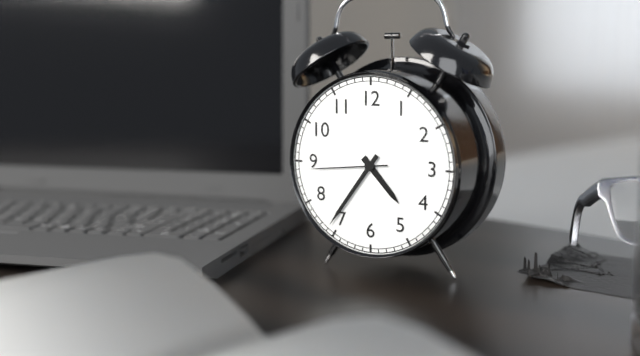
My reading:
4:36:44
